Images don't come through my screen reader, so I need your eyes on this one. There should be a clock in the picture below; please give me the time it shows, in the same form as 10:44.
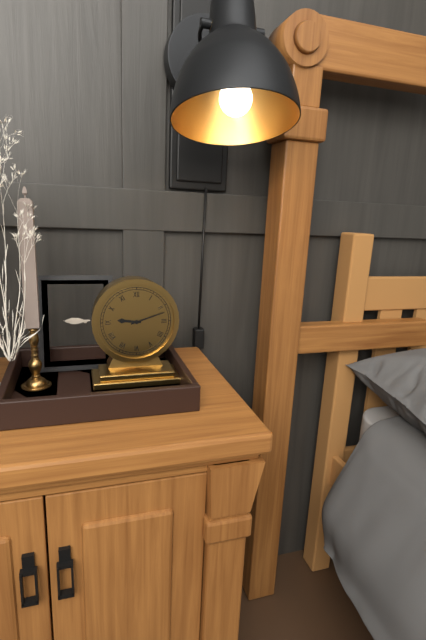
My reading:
9:12
